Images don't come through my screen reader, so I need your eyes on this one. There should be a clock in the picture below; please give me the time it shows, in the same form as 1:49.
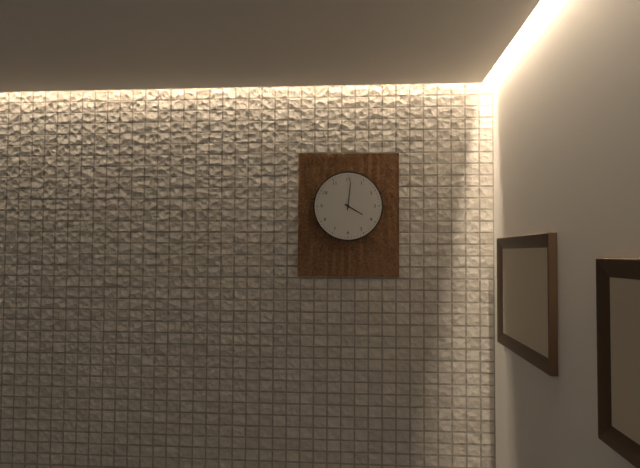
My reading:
4:01
